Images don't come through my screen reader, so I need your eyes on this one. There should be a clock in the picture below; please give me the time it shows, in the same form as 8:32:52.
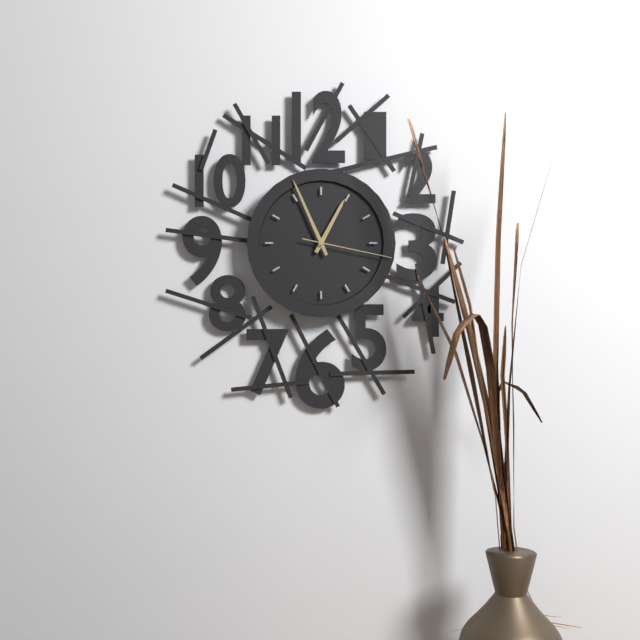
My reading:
12:56:17
